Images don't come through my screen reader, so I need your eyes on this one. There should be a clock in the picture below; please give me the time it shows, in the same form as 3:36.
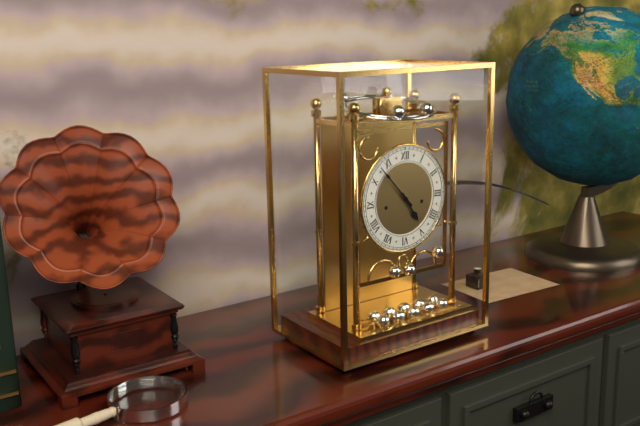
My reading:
4:53
